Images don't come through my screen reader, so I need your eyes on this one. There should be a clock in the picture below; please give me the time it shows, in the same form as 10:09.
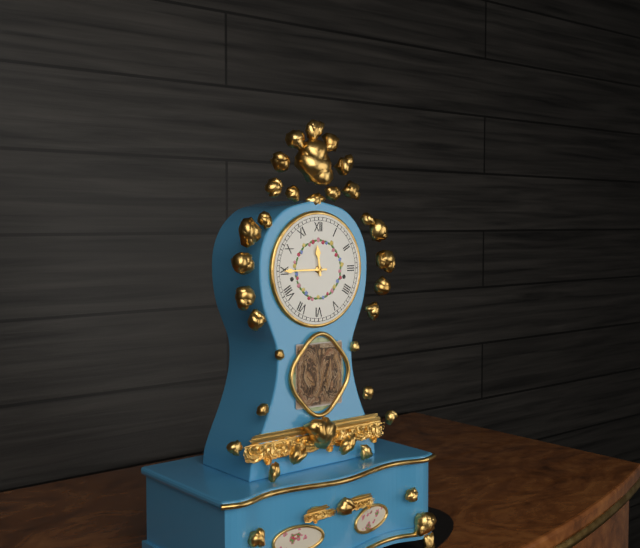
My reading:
11:45
